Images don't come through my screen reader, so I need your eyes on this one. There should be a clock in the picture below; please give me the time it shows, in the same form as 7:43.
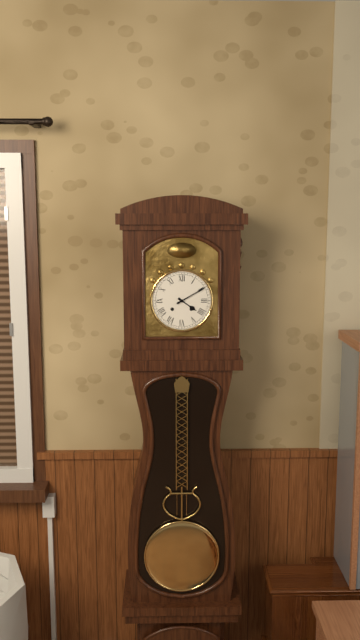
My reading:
4:10
